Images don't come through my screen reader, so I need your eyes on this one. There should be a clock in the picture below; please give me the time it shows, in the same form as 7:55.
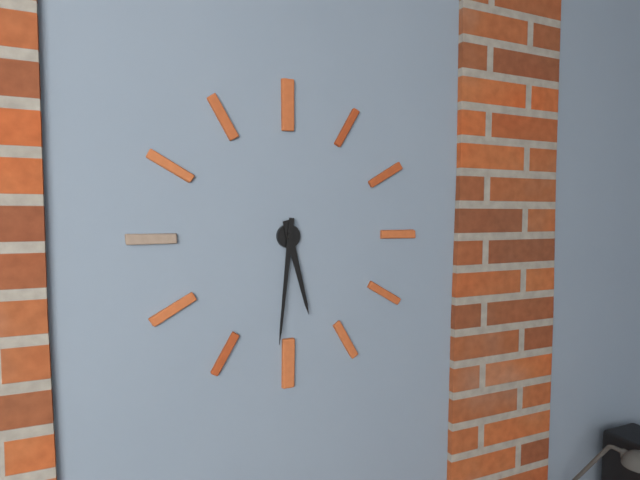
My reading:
5:31
